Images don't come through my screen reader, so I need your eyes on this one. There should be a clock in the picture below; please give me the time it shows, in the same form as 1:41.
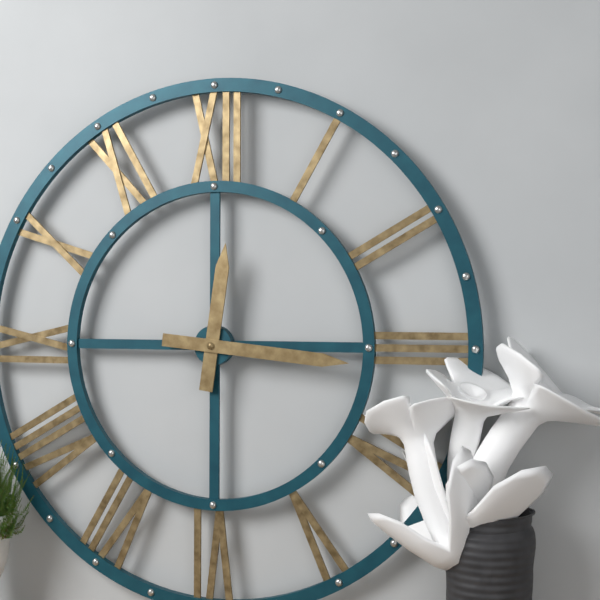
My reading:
12:16
